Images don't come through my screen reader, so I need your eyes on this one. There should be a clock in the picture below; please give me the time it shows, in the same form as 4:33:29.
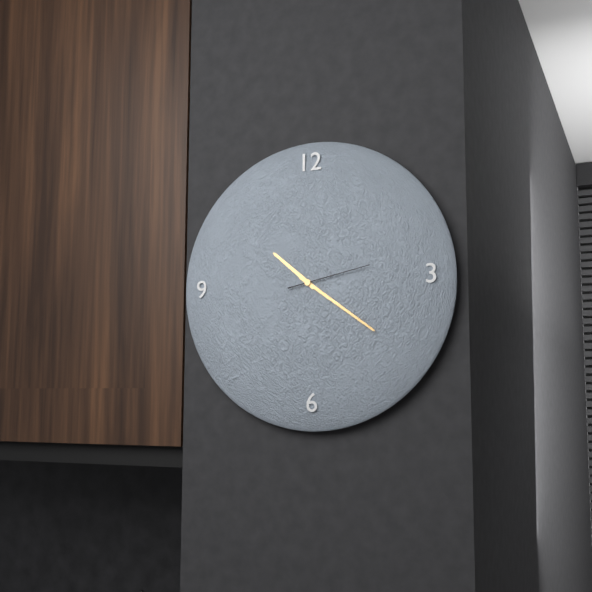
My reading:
10:21:13
